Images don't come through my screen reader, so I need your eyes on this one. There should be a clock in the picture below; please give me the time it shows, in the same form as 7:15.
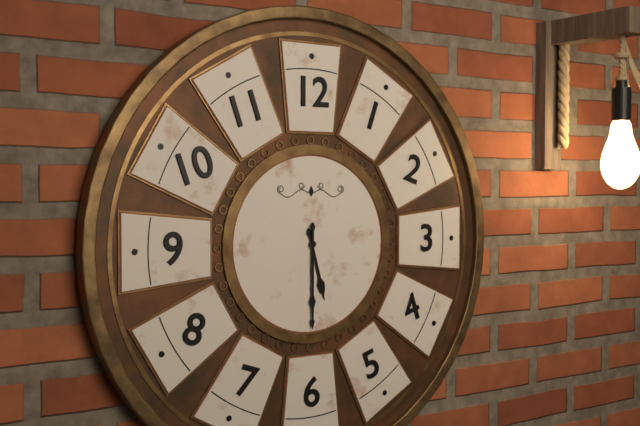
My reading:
5:30
